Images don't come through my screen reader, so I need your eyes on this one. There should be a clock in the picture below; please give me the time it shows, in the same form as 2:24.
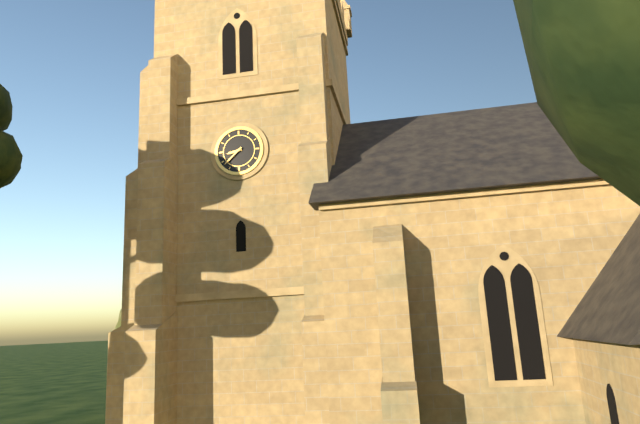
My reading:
8:38
